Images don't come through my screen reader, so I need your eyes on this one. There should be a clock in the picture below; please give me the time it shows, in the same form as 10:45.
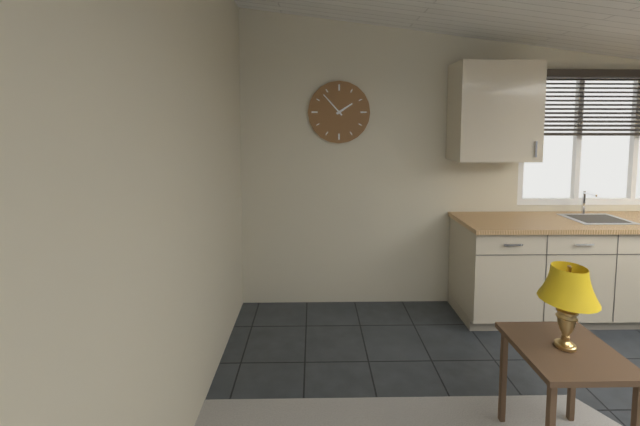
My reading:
1:53
